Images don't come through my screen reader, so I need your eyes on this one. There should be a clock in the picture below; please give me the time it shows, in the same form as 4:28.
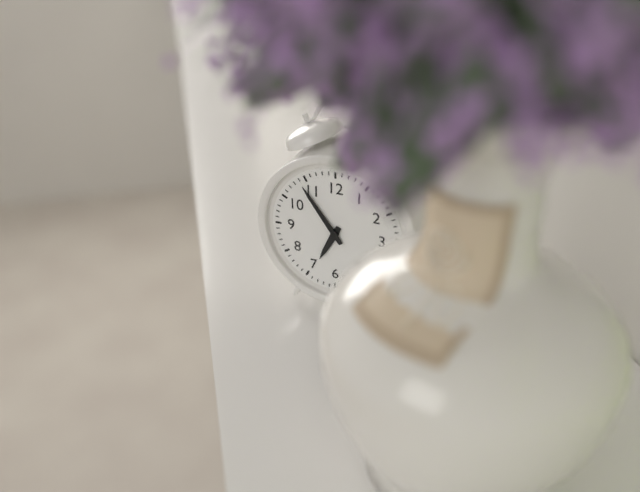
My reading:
6:54
